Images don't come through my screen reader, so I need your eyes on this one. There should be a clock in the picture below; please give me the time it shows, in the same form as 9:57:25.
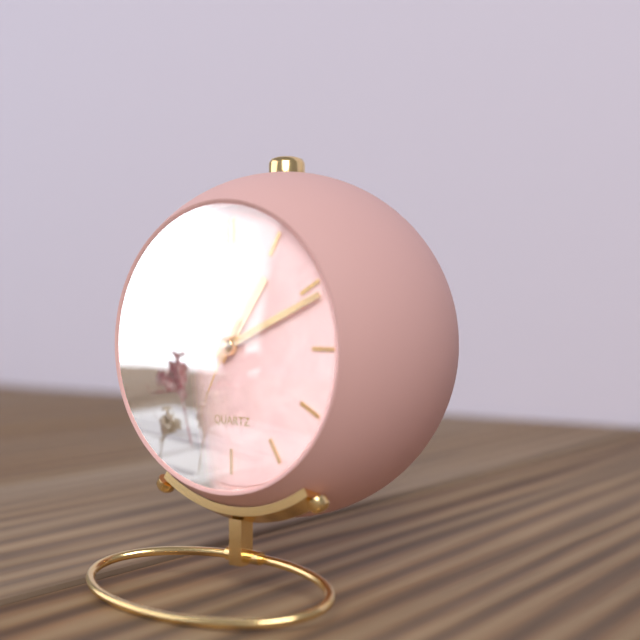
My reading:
1:11:35
